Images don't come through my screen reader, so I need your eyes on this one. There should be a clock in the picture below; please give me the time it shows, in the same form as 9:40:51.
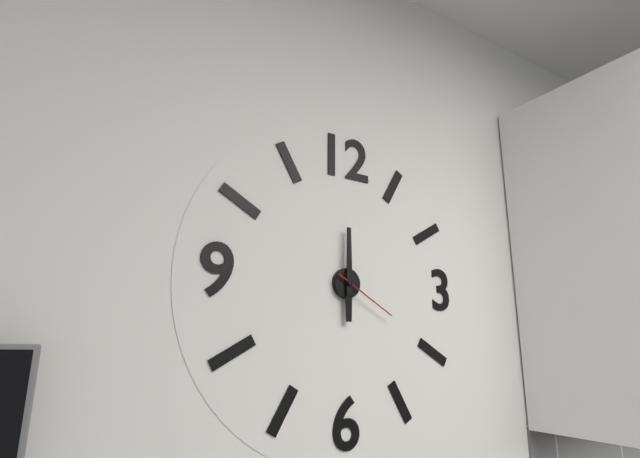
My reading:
6:00:20
